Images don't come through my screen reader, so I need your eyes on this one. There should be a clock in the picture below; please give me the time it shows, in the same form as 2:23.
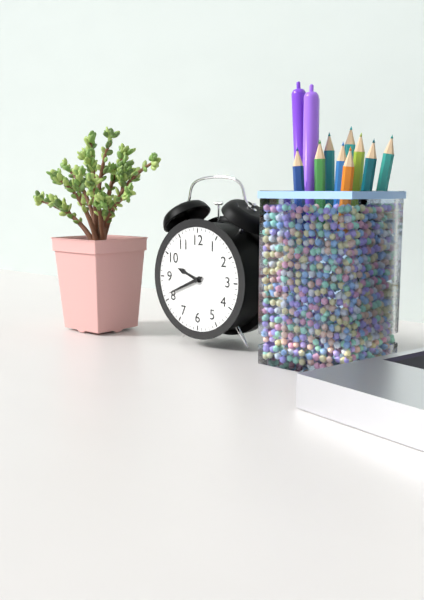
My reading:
9:41
